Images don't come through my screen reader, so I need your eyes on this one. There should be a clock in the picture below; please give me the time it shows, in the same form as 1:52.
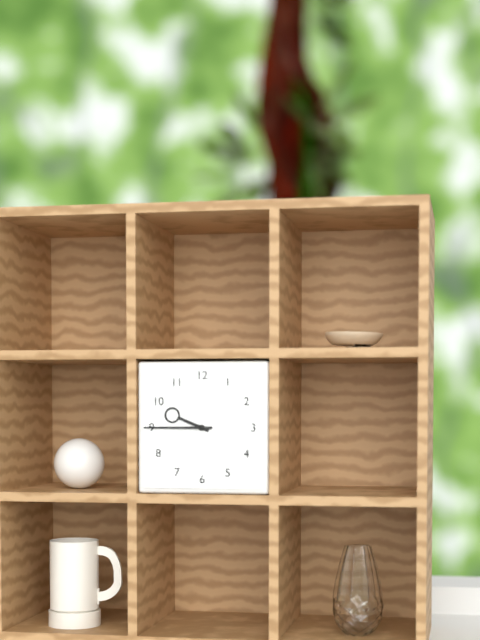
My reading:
9:45
